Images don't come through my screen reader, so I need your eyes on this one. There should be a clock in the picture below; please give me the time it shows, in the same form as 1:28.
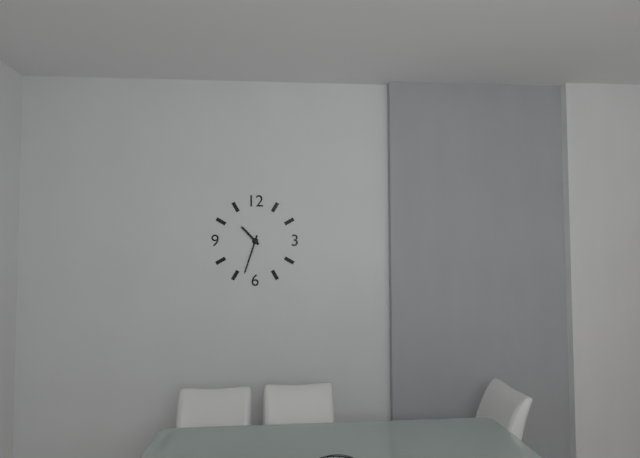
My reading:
10:33
